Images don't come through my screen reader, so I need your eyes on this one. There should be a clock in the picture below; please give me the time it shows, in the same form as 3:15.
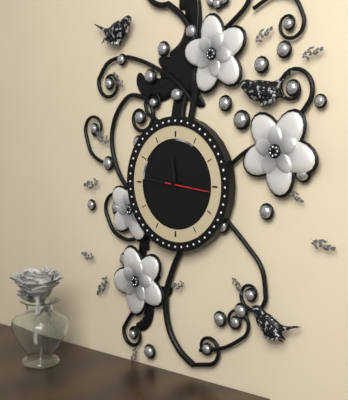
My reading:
11:46
